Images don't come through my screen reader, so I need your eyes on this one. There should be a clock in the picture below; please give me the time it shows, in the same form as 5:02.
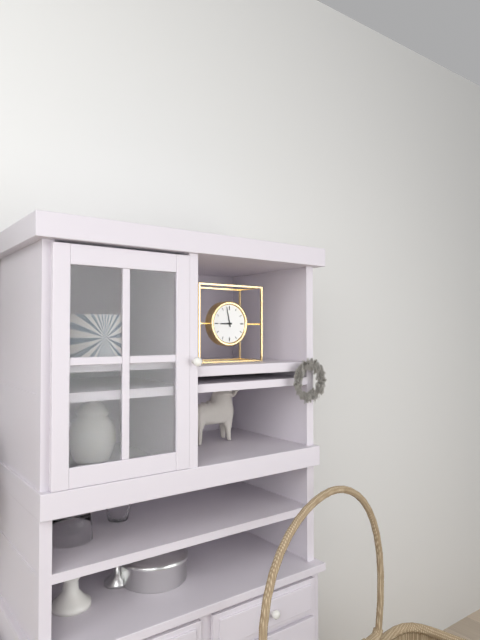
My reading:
8:58
